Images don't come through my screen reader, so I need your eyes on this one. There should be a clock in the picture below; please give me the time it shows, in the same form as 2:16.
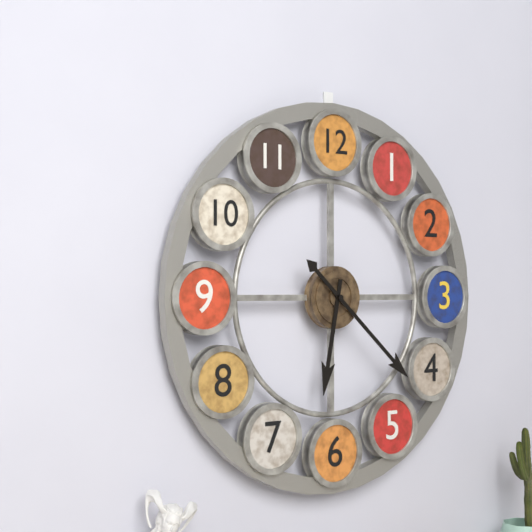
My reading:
6:22
